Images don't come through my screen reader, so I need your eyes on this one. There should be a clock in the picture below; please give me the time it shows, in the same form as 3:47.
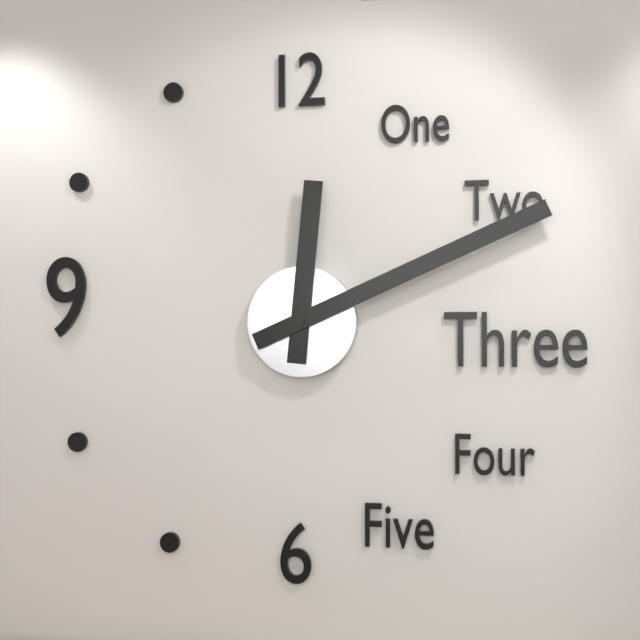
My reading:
12:11
